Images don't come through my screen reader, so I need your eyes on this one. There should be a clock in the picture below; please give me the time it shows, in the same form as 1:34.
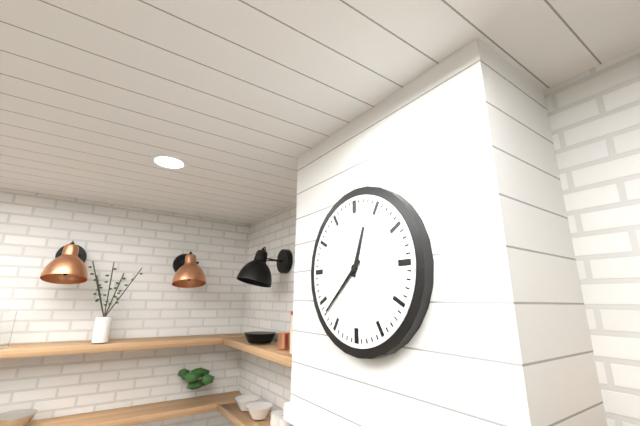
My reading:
12:38
